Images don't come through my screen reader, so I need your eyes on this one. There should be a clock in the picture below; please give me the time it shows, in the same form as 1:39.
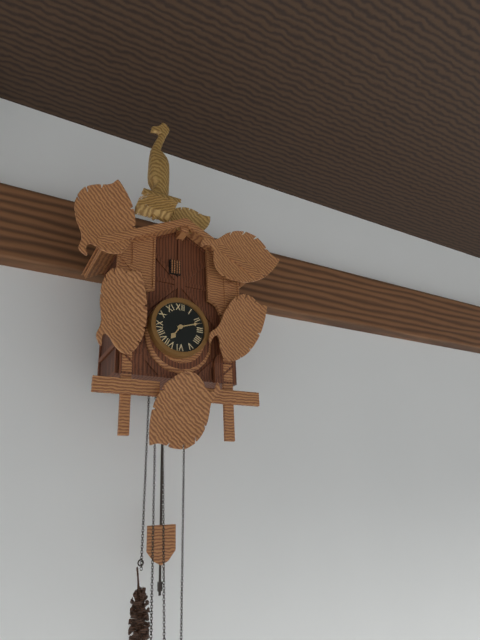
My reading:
7:12
